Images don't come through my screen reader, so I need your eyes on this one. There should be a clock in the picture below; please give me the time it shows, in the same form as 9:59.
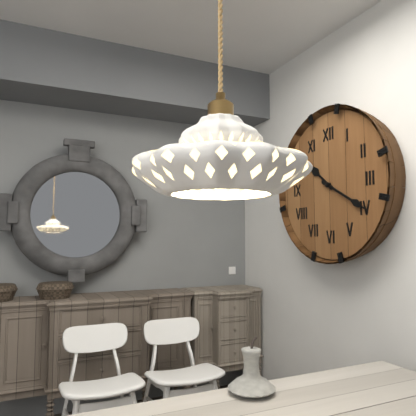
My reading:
10:20
